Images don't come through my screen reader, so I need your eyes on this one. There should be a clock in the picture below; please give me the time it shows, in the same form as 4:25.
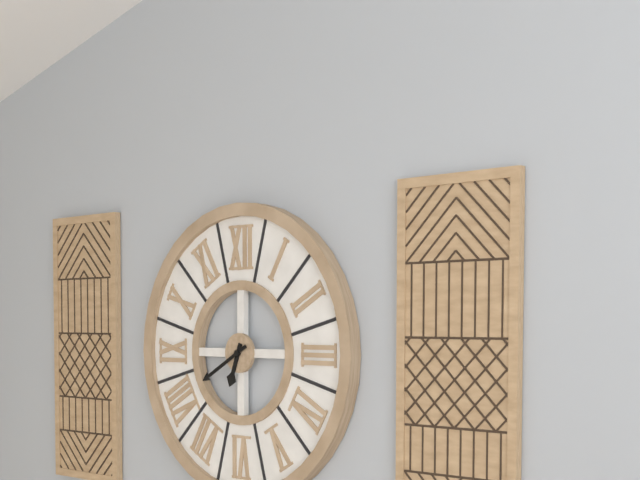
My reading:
6:40
